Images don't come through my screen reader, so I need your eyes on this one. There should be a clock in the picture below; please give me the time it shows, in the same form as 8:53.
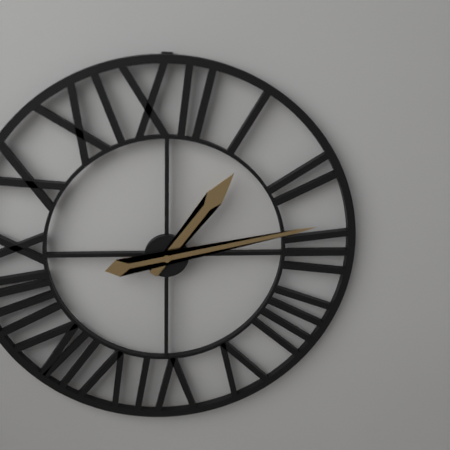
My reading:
1:13
